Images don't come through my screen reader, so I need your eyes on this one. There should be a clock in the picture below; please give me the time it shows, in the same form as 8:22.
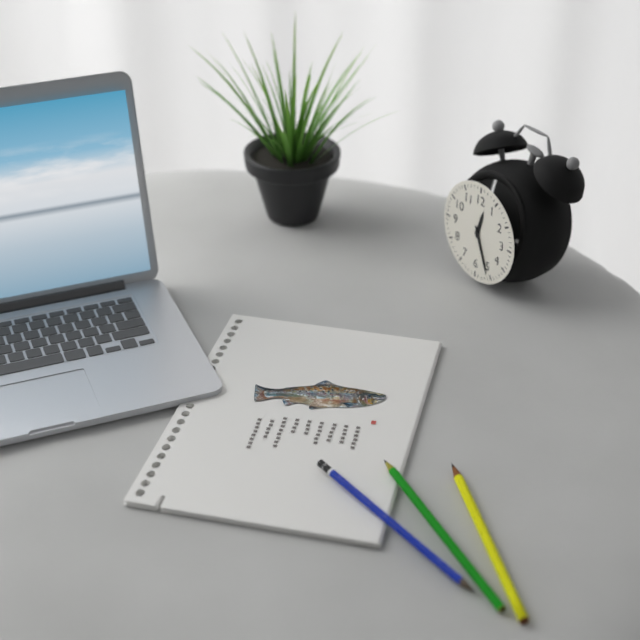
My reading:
12:26
